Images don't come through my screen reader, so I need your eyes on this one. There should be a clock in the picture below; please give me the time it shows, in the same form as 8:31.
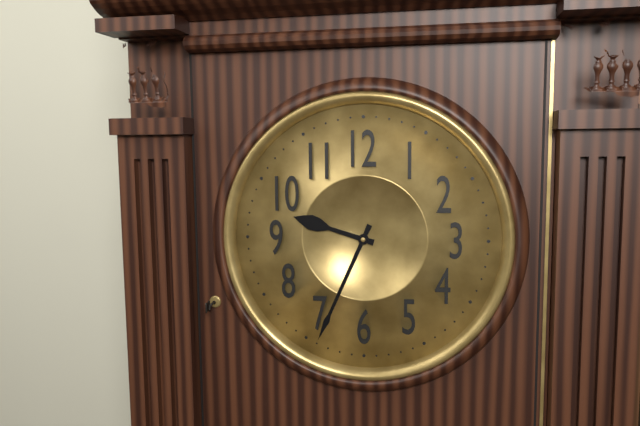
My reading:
9:34
